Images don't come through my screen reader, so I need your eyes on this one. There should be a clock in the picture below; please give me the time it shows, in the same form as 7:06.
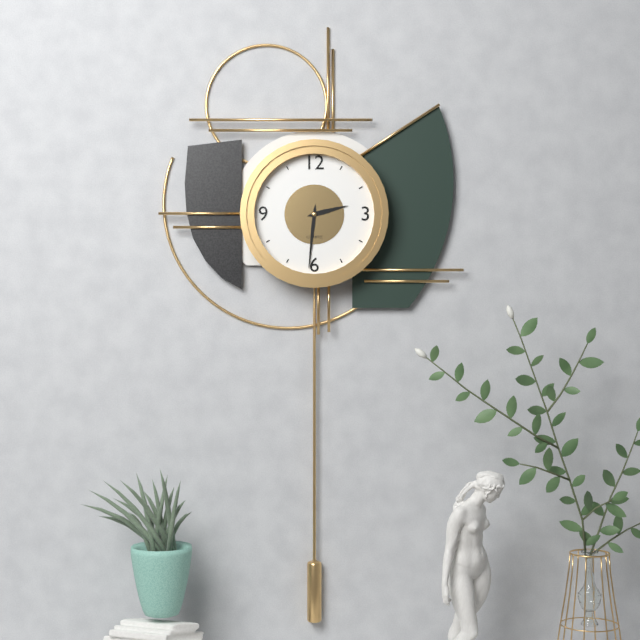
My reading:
2:31
